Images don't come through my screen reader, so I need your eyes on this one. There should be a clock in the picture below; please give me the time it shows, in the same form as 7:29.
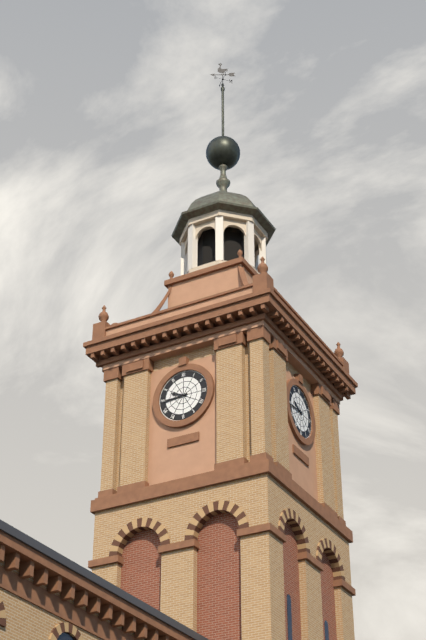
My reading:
9:44
